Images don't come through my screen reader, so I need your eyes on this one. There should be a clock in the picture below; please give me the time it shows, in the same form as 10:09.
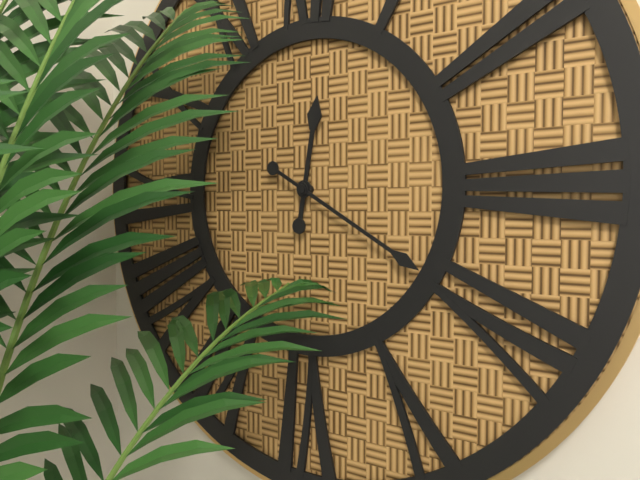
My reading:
12:20
